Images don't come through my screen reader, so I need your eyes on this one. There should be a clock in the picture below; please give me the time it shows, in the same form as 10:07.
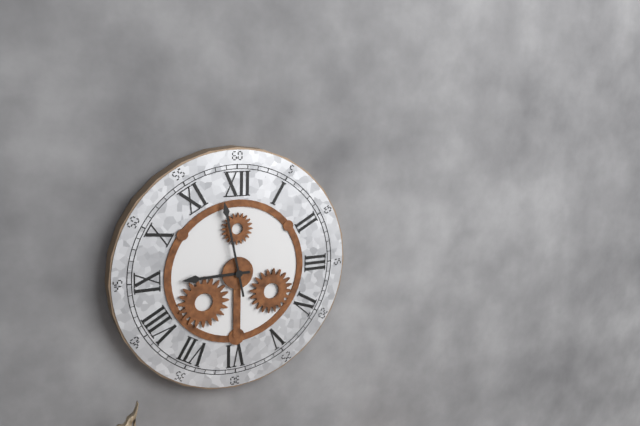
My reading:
8:58
